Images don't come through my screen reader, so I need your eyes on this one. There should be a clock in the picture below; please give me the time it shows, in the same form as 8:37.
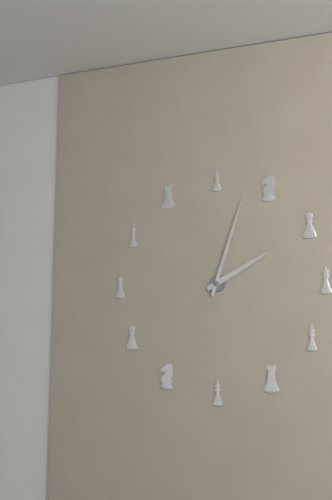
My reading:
2:03
